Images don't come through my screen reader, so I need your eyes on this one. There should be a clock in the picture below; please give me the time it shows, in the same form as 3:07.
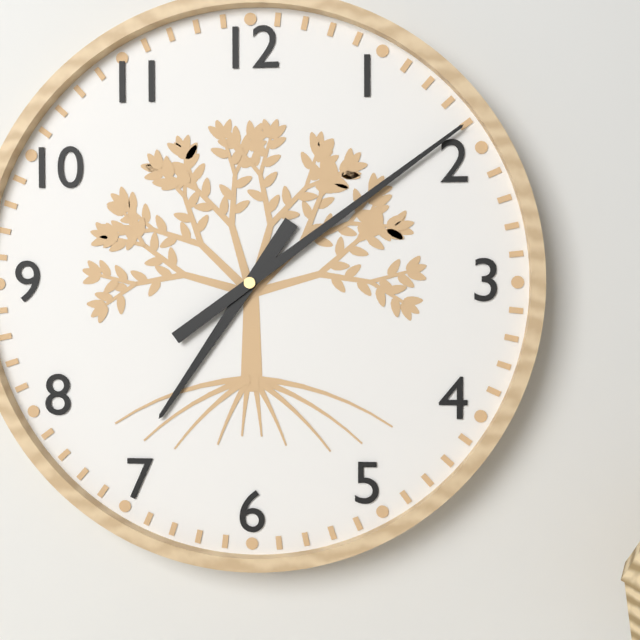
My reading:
7:09
